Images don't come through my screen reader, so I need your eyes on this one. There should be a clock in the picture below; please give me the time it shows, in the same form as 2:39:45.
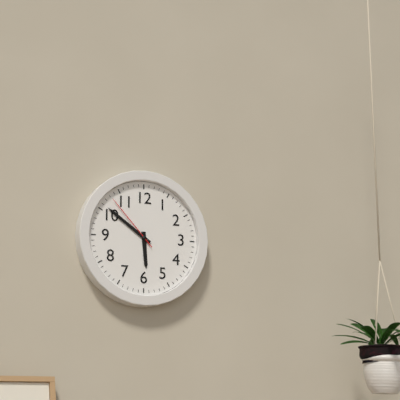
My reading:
5:51:53
